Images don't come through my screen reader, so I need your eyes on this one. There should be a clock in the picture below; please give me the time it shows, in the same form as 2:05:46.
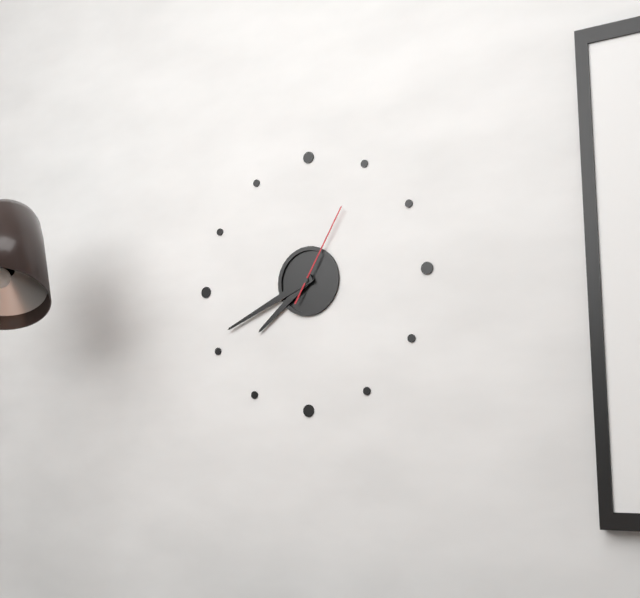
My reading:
7:41:05
